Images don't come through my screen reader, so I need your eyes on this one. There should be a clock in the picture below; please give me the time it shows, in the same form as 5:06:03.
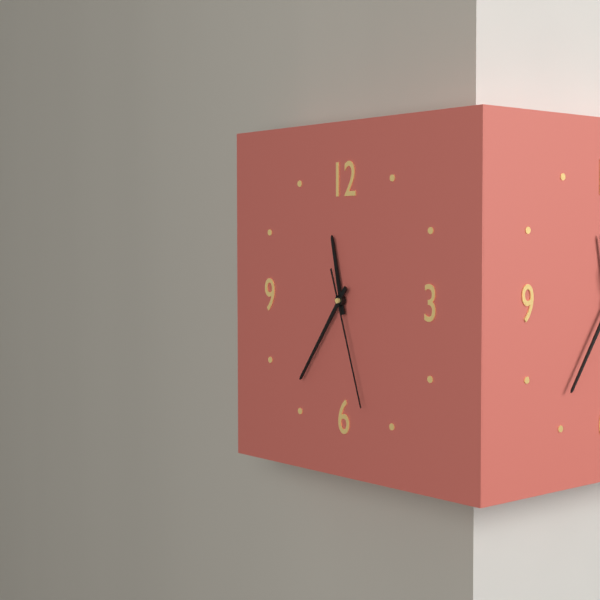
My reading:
11:36:27
